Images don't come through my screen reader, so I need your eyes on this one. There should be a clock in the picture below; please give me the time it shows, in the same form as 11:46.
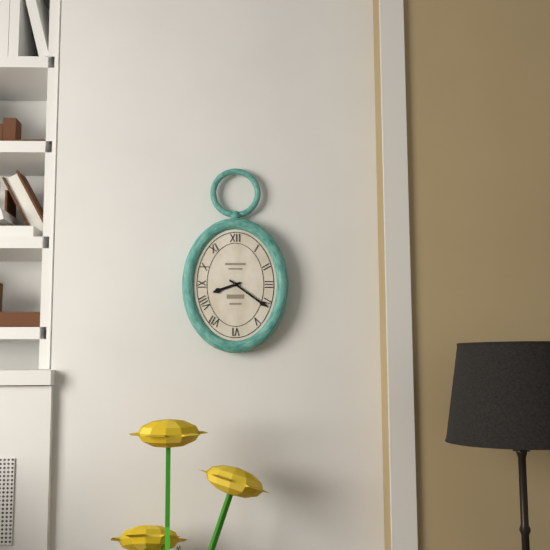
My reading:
8:21
